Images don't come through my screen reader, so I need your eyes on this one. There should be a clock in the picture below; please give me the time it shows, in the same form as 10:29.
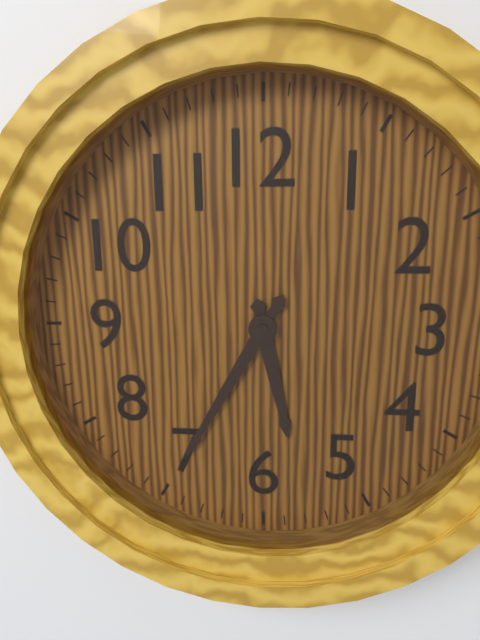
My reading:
5:35
